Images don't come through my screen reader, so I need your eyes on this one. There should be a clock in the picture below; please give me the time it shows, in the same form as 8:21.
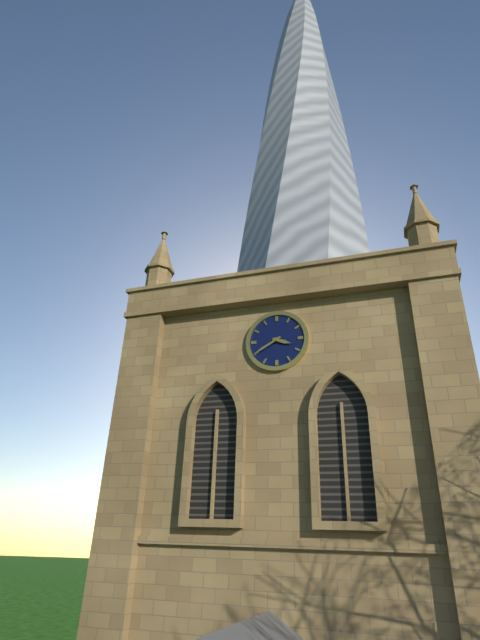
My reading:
3:40
